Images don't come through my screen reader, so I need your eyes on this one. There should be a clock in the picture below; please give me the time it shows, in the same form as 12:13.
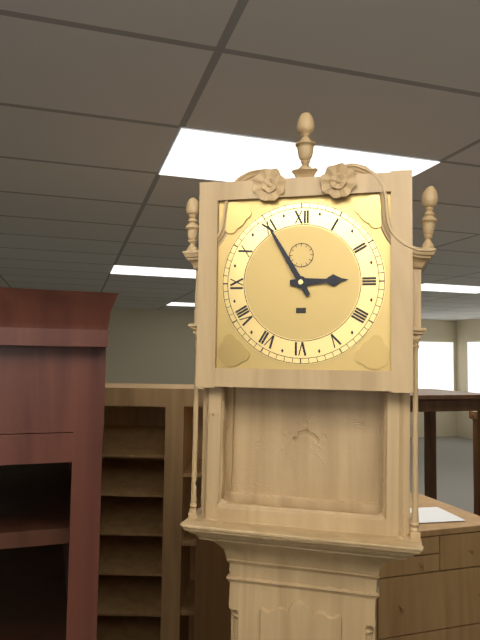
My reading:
2:55
